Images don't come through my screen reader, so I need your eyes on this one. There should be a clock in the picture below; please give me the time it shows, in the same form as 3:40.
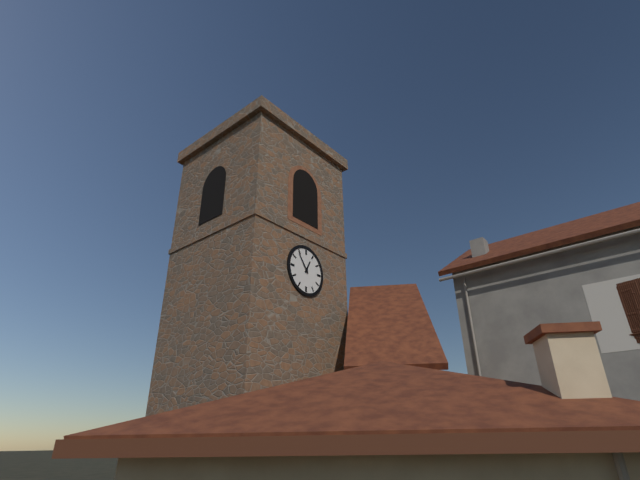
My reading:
12:54
